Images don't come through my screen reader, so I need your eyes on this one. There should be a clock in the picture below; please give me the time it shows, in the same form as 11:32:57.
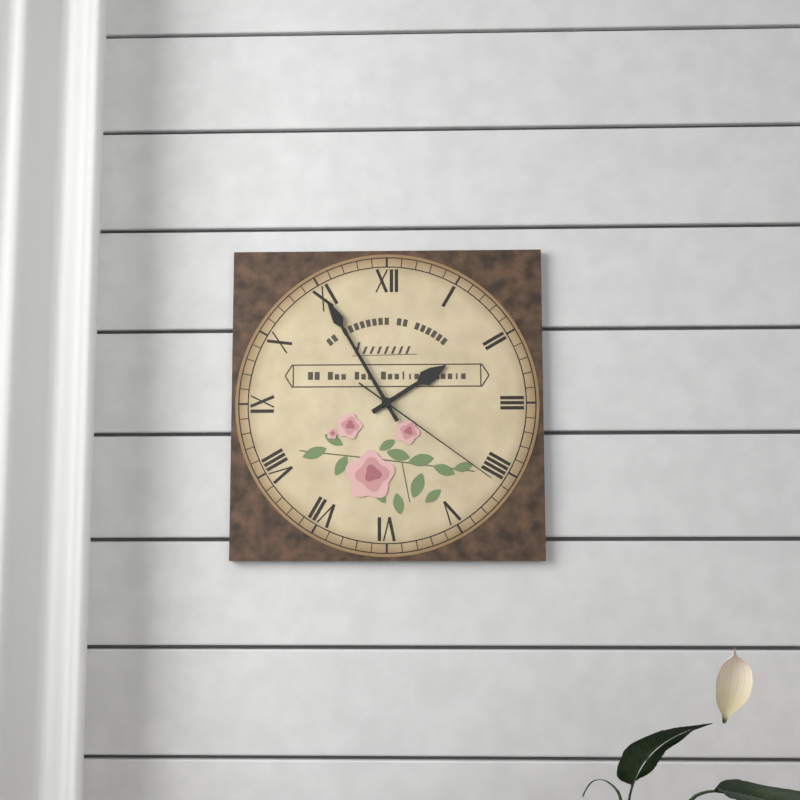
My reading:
1:55:21
